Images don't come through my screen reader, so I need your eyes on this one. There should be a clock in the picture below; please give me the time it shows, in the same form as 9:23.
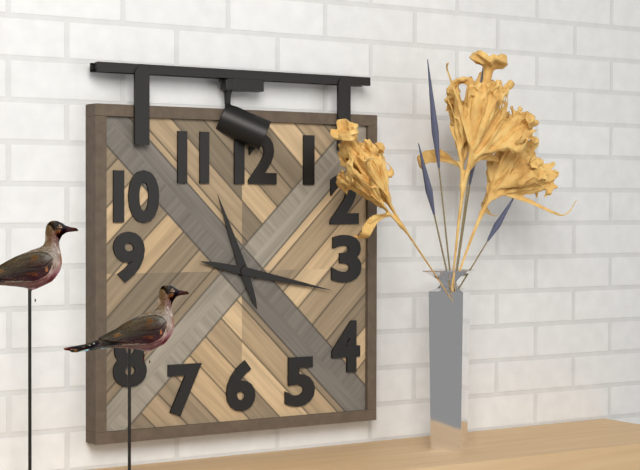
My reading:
11:17
